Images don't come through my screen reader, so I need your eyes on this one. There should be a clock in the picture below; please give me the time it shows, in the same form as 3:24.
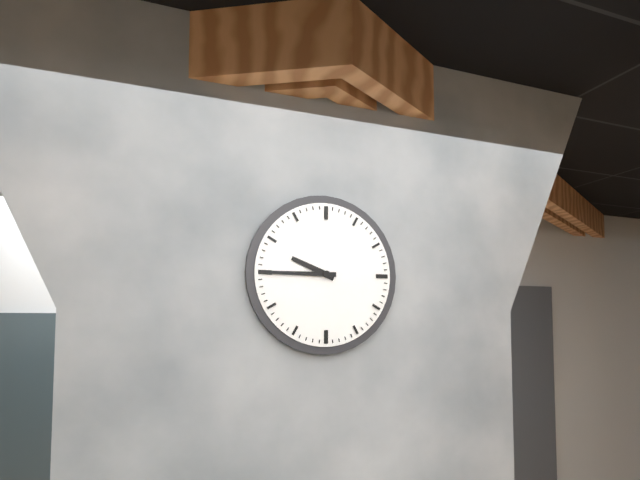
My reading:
9:45
